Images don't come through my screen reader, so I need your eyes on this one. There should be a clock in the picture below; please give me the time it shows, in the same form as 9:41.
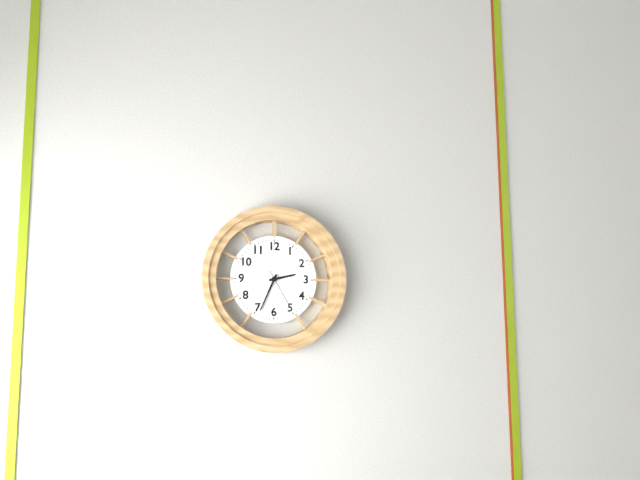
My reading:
2:34
